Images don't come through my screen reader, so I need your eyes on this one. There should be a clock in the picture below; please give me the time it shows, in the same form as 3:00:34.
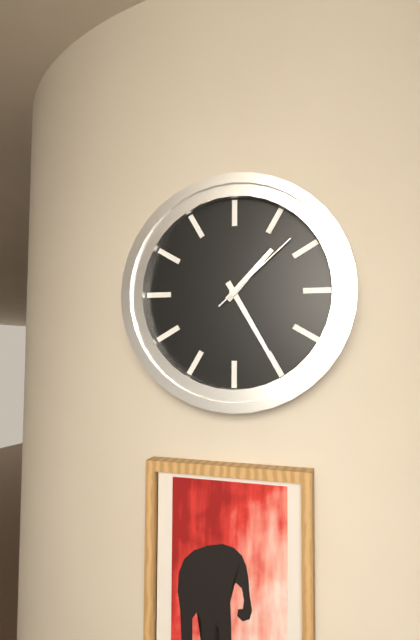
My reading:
1:25:08
